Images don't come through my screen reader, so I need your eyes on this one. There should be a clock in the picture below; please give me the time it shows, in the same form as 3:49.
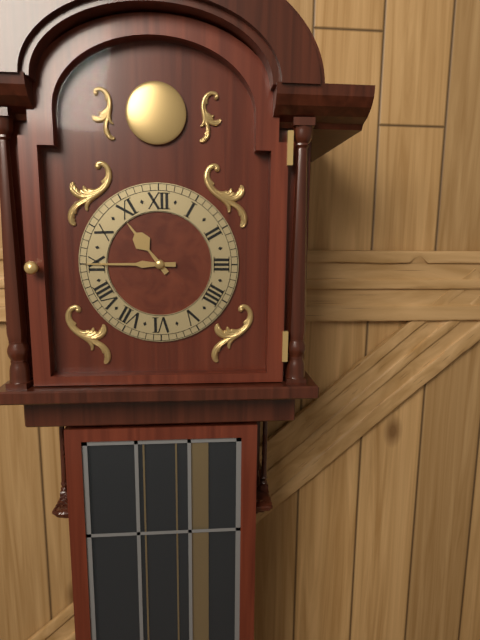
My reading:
10:45
